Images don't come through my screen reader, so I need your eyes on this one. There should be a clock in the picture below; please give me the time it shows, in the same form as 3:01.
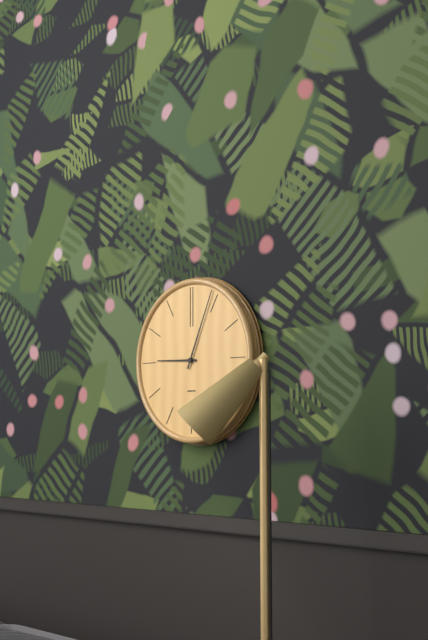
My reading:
9:04
